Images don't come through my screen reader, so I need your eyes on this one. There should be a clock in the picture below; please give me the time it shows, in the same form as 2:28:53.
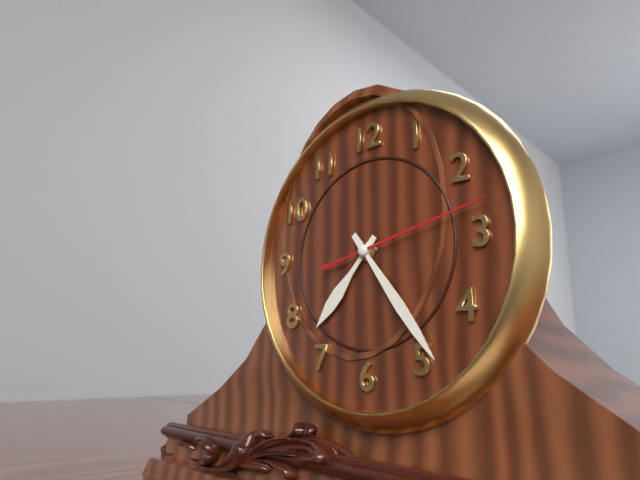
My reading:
7:24:13
